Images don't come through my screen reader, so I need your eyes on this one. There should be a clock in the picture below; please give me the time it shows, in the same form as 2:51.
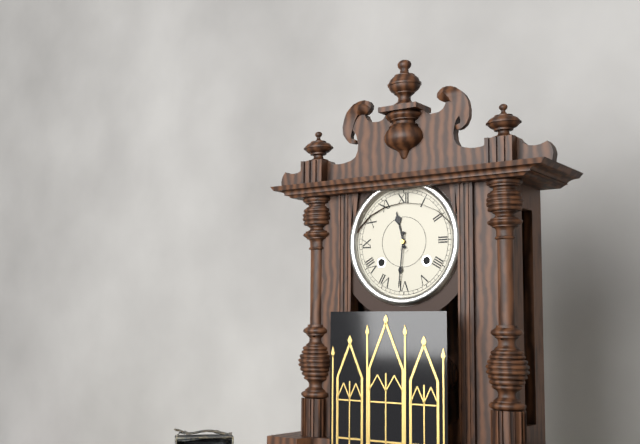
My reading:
11:31
